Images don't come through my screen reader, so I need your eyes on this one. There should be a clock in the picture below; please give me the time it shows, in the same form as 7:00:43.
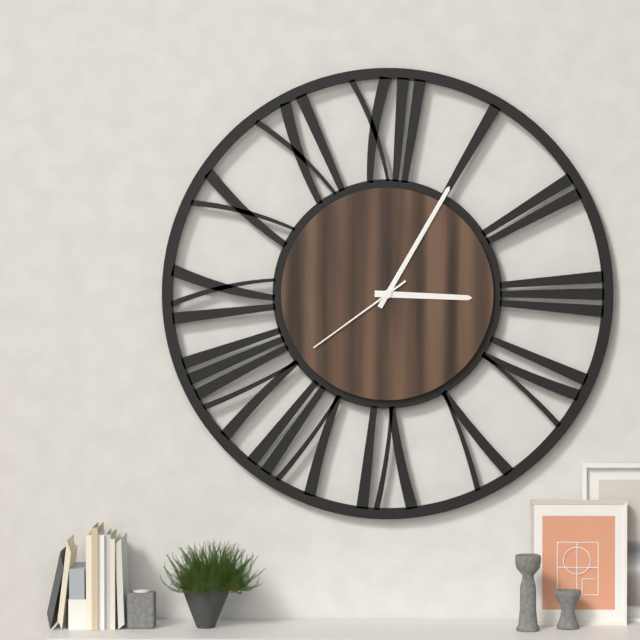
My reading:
3:05:39
